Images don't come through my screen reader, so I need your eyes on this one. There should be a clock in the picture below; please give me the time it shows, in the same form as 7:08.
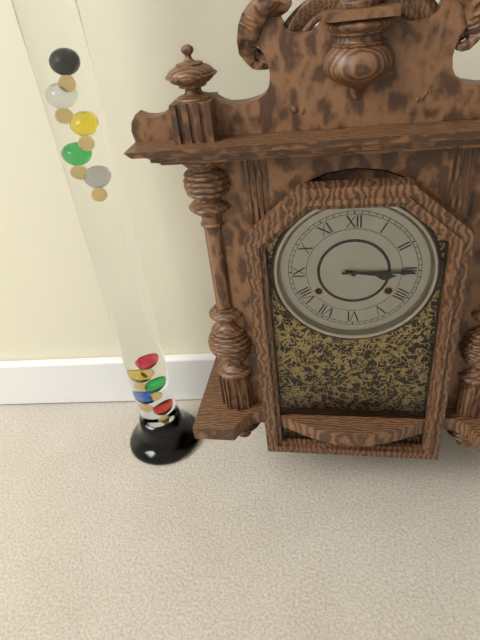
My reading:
3:15
